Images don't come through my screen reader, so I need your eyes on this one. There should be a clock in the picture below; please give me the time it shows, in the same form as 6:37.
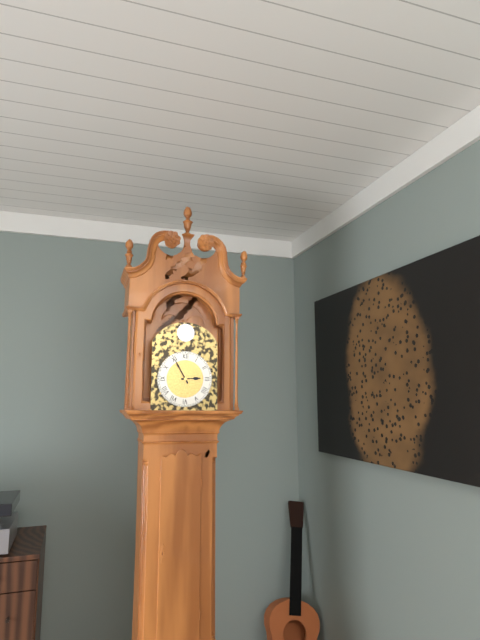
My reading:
2:55
